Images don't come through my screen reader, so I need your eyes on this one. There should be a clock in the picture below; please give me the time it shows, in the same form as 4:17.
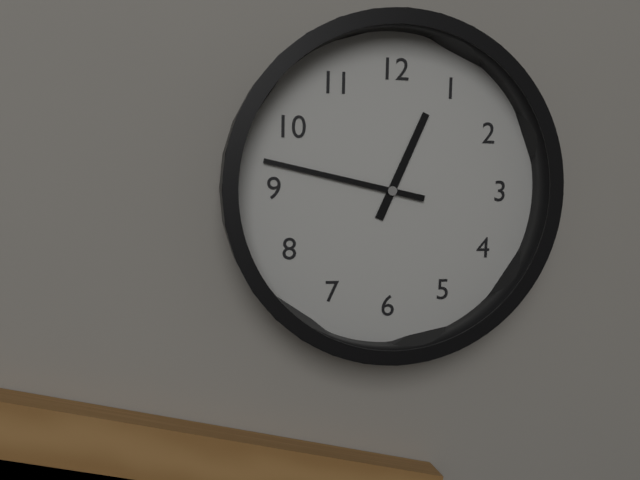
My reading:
12:47
